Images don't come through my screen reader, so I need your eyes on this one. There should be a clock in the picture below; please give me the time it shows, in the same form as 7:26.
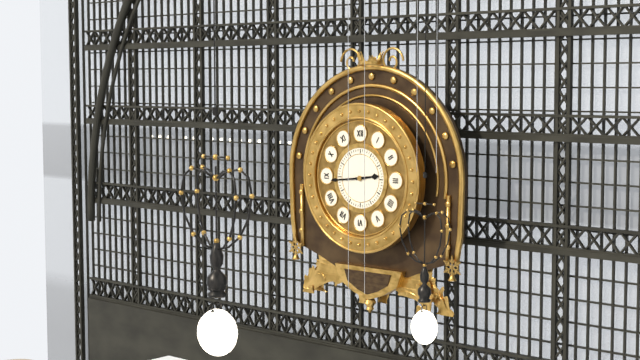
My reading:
2:44
